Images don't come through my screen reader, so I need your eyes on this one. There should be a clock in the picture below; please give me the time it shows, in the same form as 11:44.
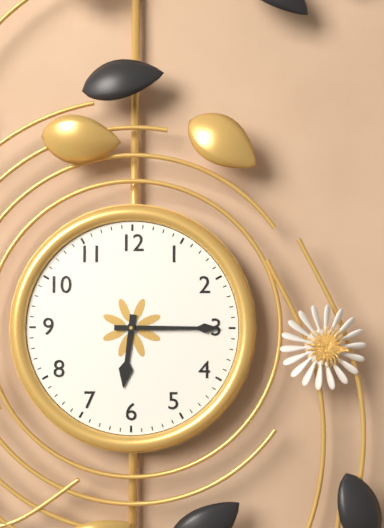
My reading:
6:15
